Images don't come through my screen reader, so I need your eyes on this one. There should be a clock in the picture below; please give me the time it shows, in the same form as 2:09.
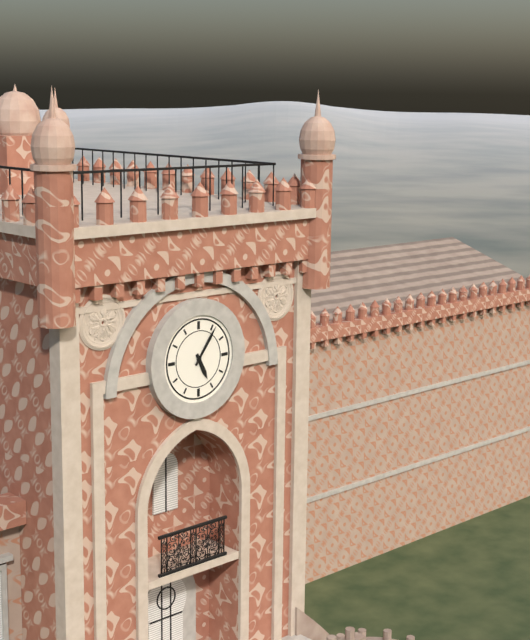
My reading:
5:06
